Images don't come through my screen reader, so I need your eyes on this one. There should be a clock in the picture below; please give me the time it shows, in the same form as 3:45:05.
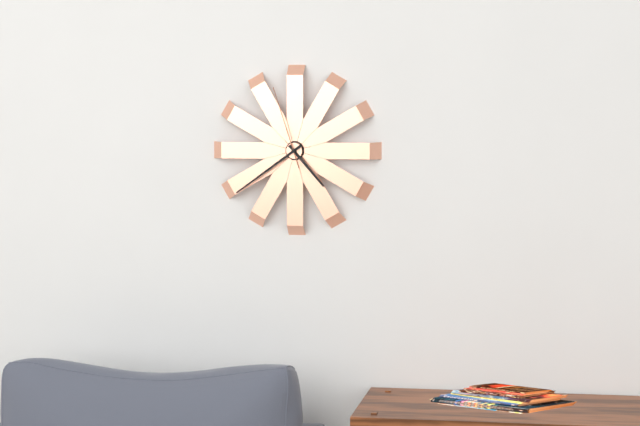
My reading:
4:39:57
